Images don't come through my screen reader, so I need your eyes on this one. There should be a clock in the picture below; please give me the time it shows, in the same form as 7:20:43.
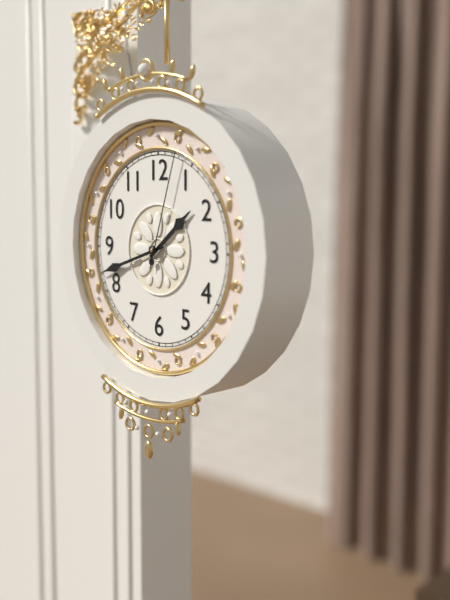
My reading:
1:42:03
